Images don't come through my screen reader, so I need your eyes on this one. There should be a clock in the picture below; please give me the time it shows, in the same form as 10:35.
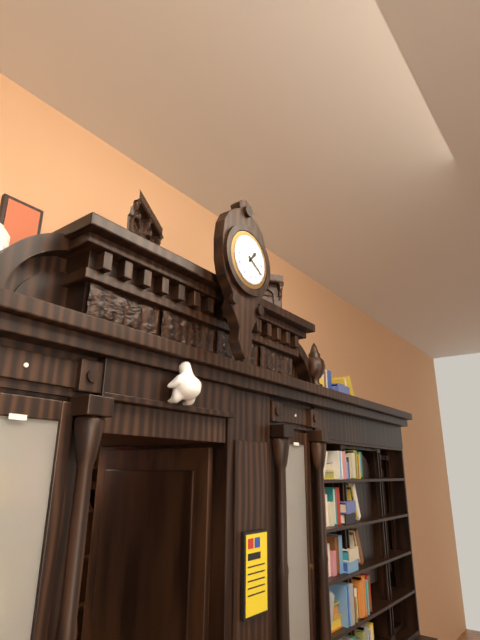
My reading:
1:20
